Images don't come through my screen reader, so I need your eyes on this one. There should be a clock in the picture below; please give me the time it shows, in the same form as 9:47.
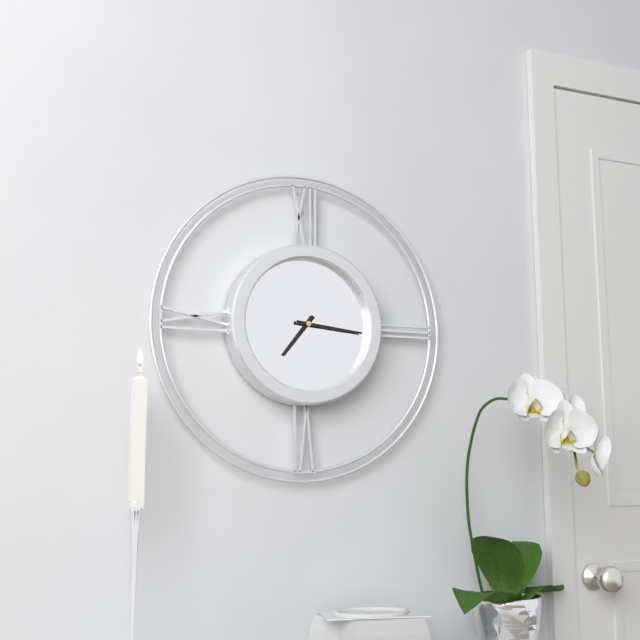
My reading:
7:16
